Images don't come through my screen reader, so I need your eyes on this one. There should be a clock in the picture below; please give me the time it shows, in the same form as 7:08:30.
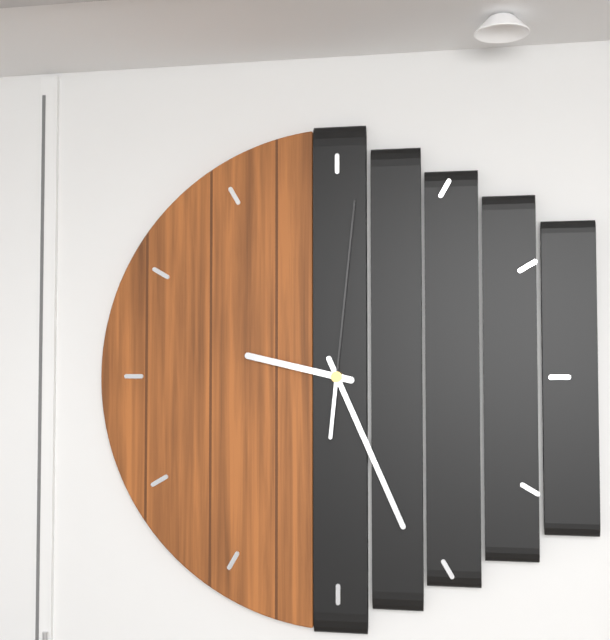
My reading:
9:26:01
